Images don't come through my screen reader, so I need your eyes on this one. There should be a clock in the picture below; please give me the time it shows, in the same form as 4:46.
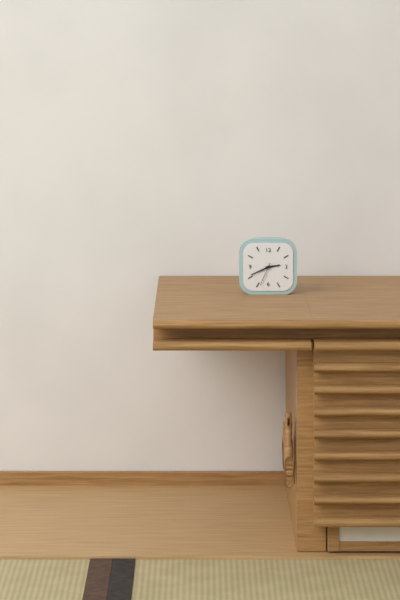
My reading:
2:41
